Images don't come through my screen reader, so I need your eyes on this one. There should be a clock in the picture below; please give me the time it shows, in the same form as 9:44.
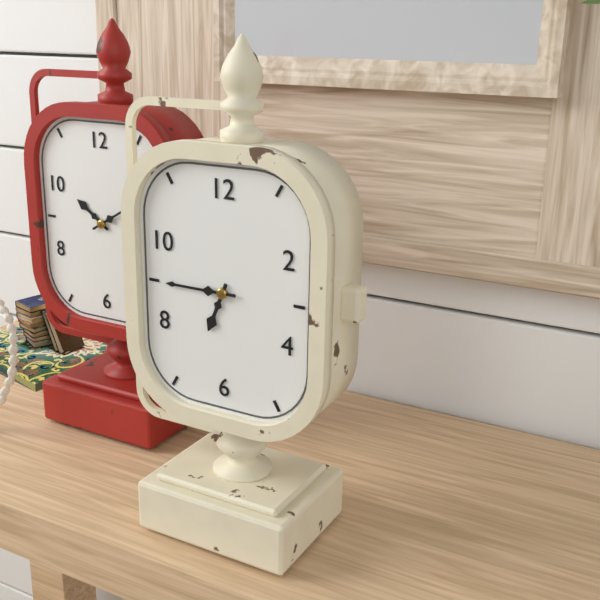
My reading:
6:45
